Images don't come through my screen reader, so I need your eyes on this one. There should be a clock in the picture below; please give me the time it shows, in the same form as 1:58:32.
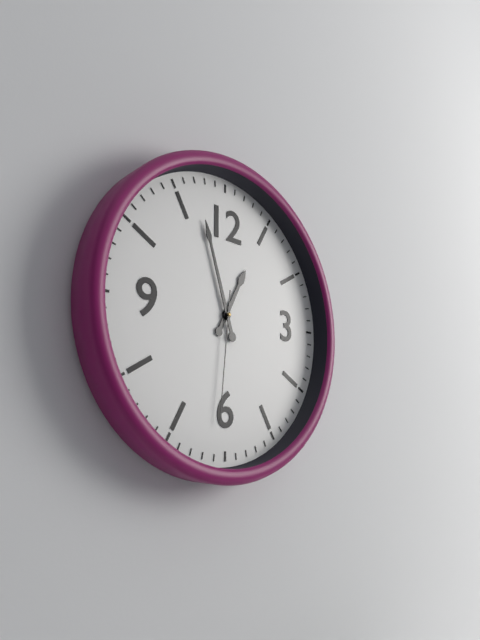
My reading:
12:57:31
